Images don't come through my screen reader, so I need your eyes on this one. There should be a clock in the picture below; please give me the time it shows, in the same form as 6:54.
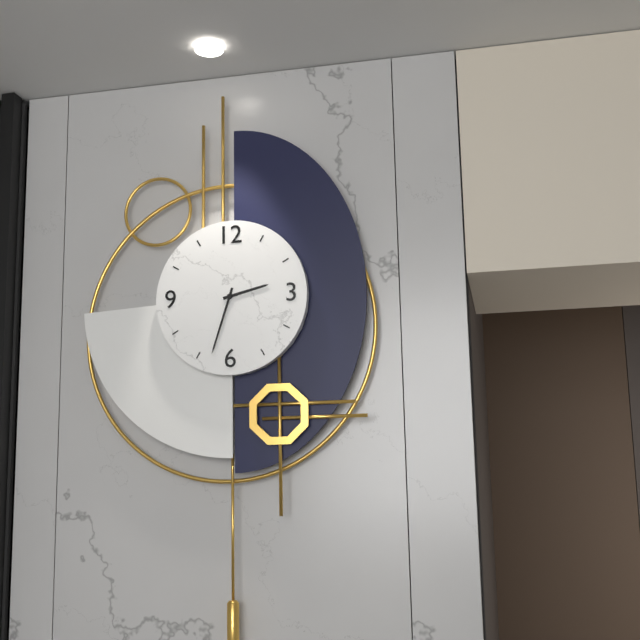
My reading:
2:33
